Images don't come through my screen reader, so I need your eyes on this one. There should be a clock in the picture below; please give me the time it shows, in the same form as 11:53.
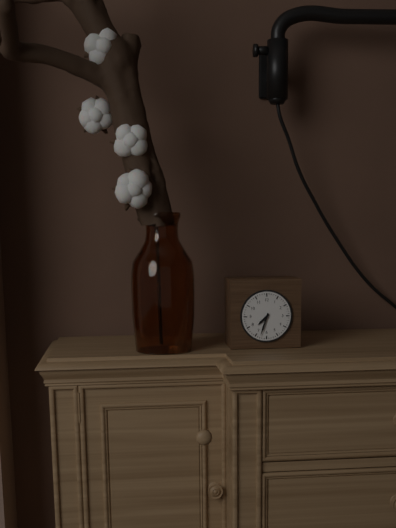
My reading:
7:33
